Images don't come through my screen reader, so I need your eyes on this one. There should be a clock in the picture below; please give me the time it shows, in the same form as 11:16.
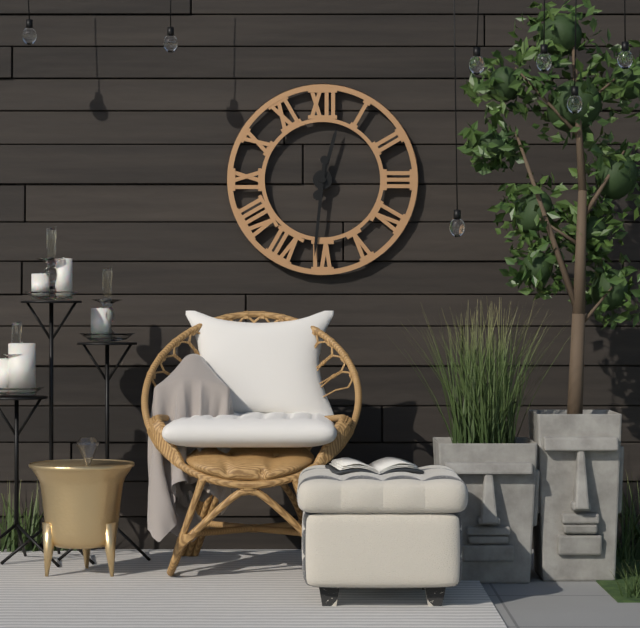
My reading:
12:31
